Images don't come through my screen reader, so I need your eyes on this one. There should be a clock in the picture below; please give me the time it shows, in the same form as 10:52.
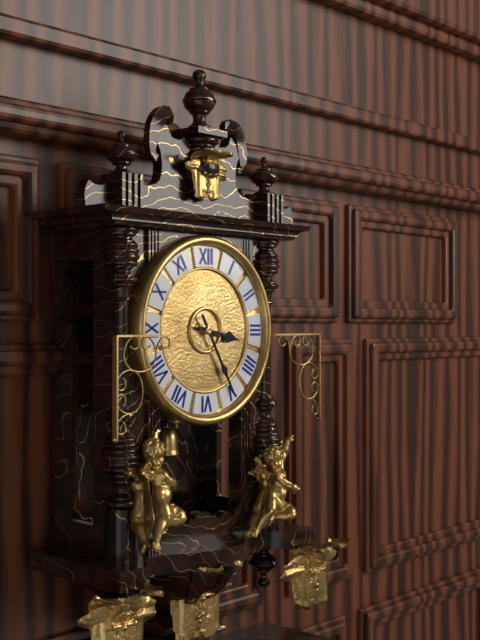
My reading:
3:25
